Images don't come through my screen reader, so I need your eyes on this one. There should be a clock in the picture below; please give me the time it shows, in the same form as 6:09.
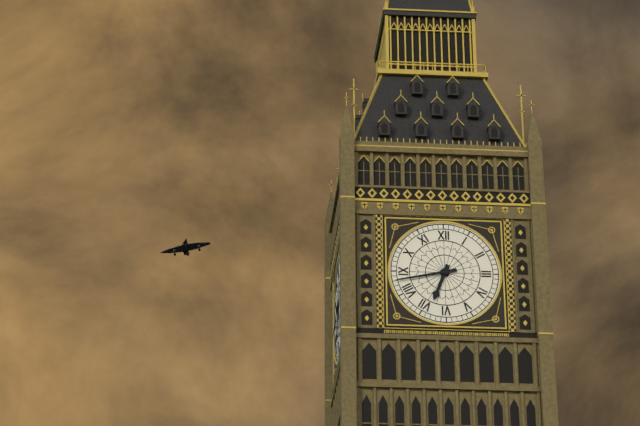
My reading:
6:43
